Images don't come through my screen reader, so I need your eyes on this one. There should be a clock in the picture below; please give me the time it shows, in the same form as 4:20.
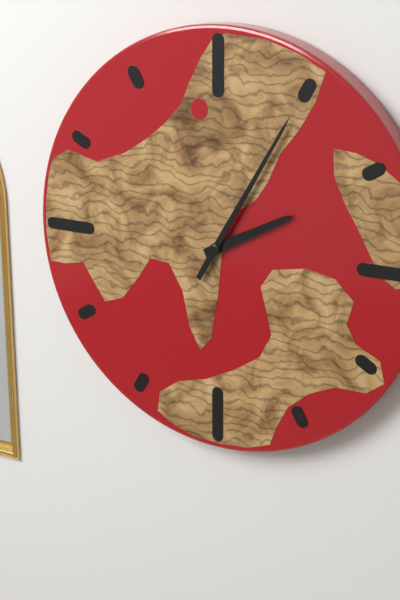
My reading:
2:05
